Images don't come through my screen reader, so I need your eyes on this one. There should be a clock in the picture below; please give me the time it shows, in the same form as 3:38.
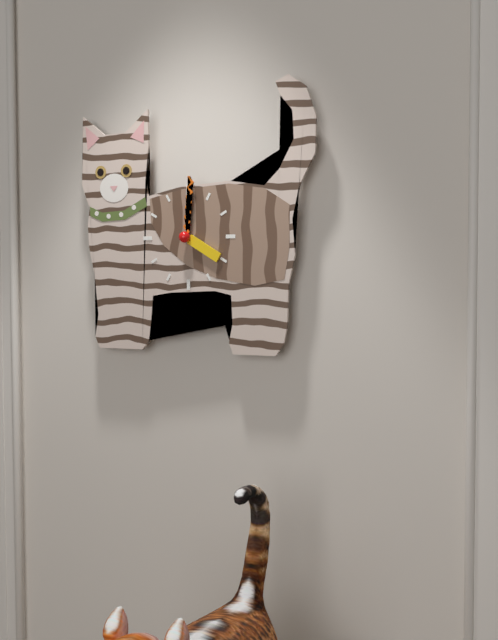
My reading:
4:01
